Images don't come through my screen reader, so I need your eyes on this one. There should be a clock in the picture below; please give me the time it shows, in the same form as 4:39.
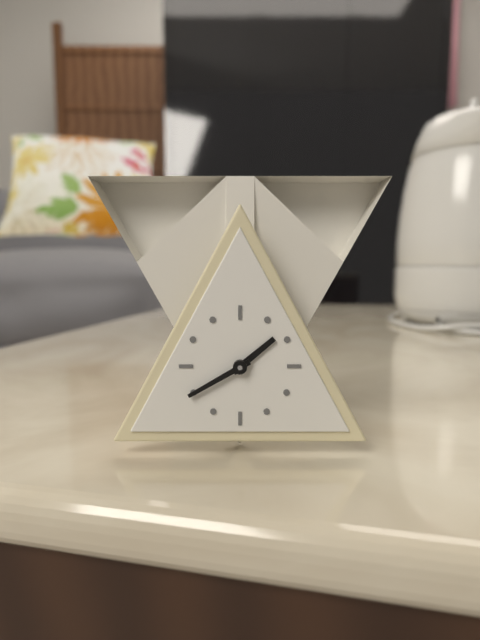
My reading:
1:40
